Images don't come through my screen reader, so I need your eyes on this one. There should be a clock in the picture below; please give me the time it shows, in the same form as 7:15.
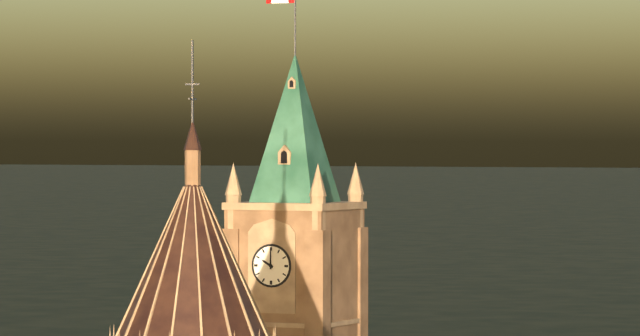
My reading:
10:00
